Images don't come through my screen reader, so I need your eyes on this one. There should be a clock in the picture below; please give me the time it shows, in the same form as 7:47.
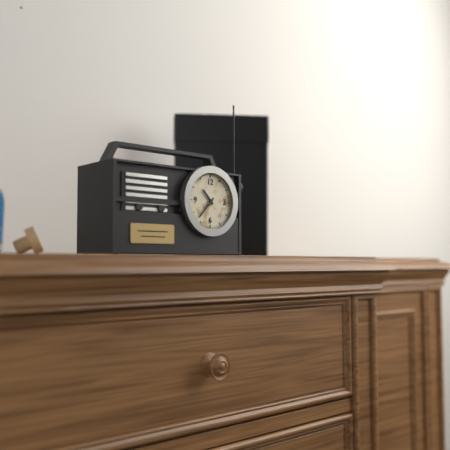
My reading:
10:37
